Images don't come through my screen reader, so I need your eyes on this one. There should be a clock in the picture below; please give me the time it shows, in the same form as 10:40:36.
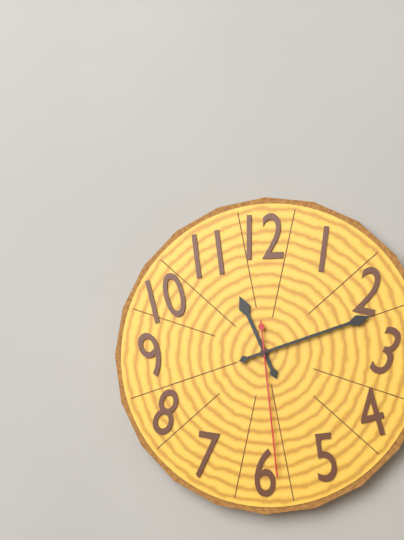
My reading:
11:12:29
